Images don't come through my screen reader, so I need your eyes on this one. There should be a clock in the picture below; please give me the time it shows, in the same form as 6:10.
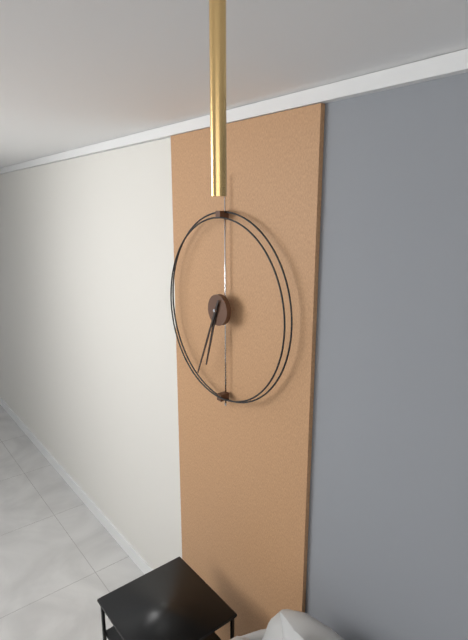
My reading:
6:34
